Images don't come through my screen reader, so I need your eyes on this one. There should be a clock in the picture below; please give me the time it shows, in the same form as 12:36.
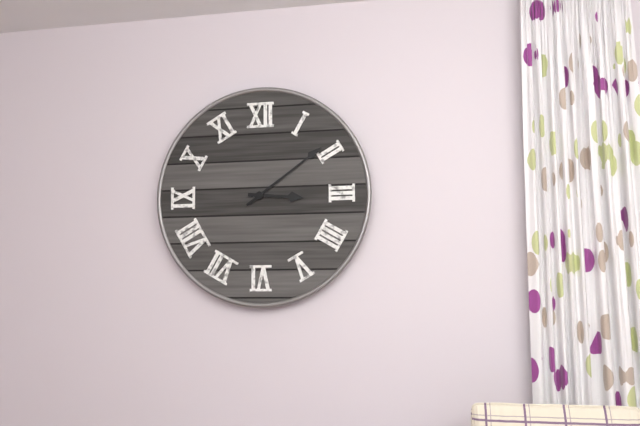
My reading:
3:09
